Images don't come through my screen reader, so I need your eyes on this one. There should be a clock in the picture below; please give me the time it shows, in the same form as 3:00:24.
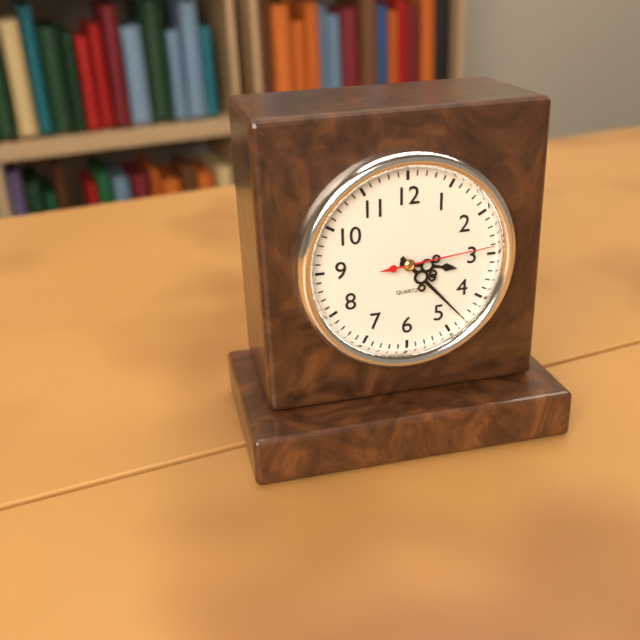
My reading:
3:23:14
